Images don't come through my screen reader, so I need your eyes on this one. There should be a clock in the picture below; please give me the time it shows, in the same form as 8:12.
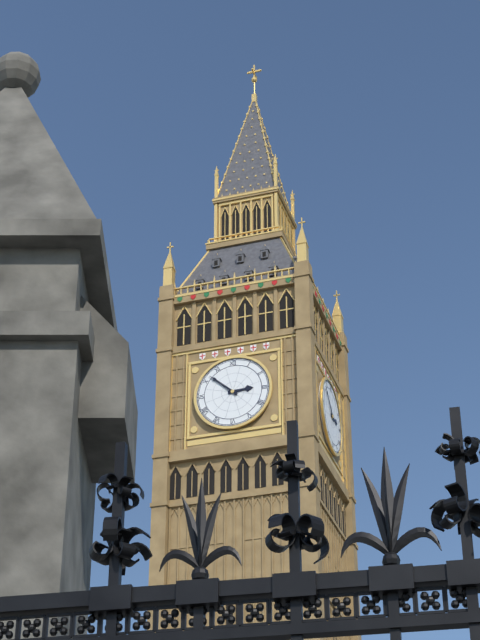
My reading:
2:52
